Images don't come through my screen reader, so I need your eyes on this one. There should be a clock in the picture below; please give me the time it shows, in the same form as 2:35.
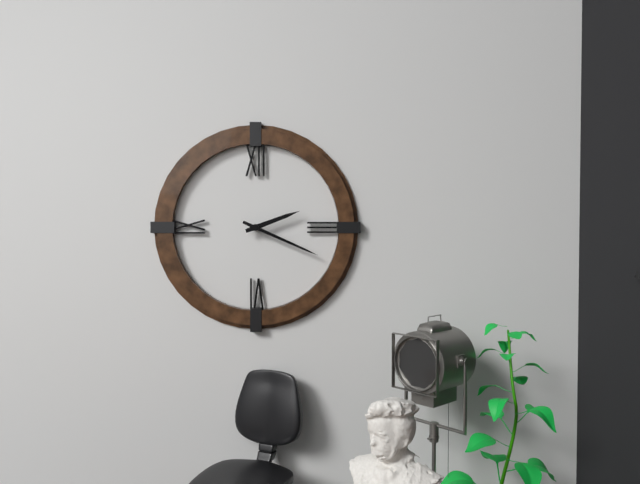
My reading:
2:19
